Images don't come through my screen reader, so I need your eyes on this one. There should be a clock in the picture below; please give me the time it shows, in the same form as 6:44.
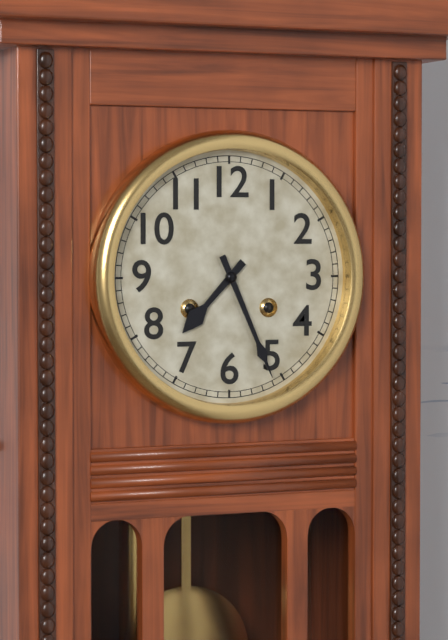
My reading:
7:26
